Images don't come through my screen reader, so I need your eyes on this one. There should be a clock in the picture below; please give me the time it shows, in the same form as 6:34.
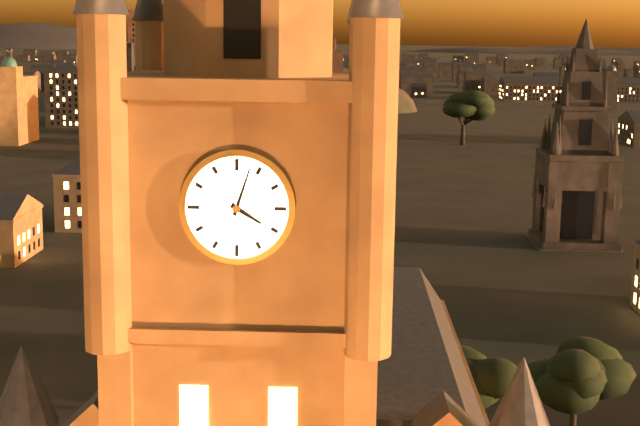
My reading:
4:03
